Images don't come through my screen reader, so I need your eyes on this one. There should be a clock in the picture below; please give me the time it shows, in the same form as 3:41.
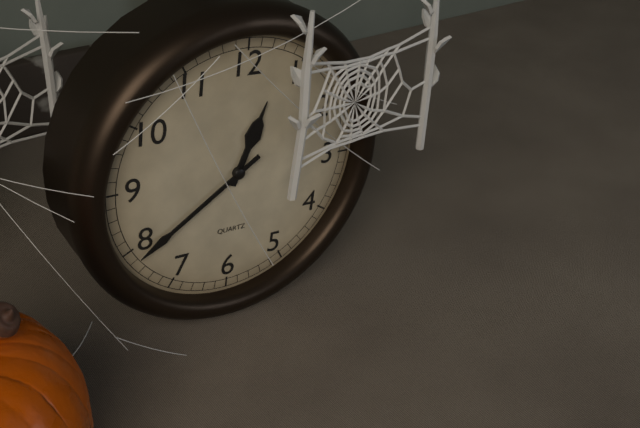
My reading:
12:39
